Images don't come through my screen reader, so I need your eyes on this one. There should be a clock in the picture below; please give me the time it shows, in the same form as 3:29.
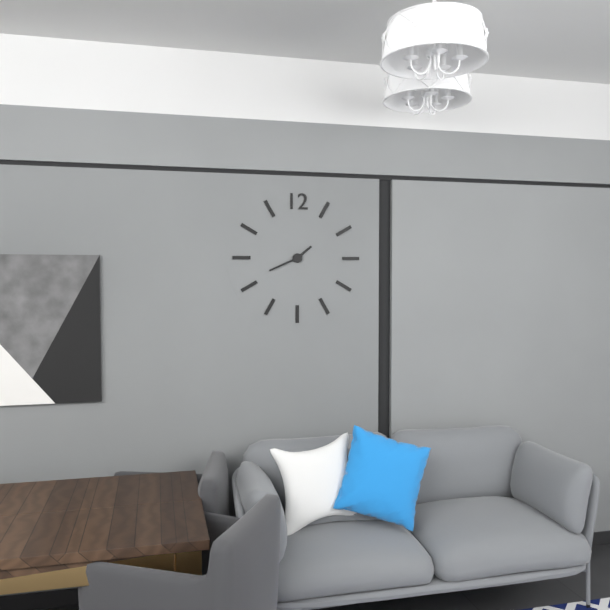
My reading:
1:41
